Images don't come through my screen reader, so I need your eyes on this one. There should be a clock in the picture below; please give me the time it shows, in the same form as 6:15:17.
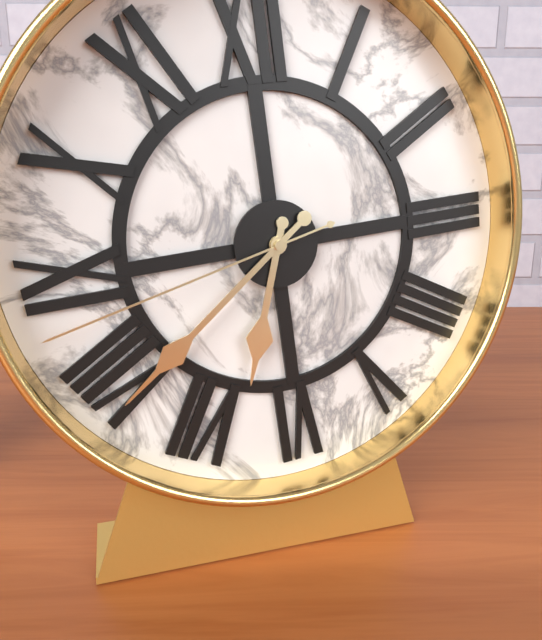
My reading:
6:39:43
